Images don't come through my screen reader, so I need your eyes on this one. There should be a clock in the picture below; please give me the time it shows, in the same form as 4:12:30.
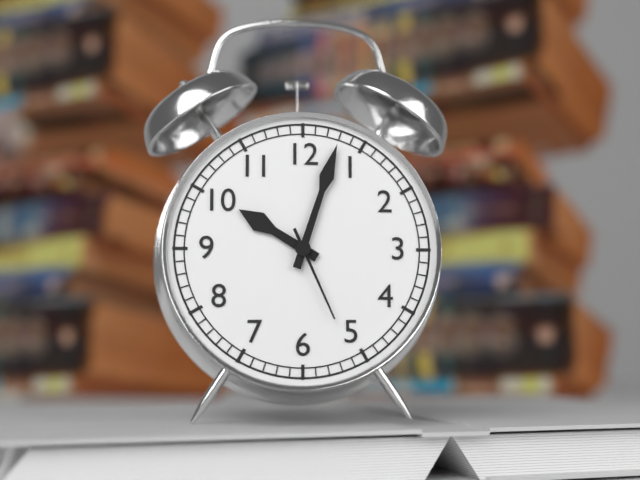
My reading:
10:03:26
